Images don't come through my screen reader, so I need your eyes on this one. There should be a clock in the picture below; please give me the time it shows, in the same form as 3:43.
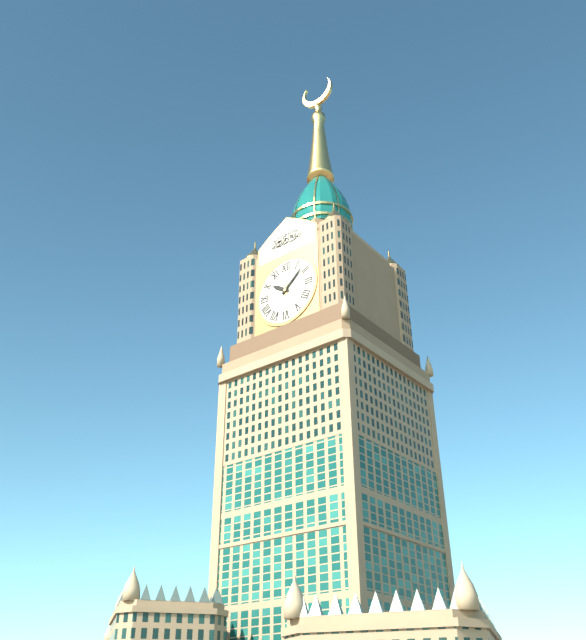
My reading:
10:08
